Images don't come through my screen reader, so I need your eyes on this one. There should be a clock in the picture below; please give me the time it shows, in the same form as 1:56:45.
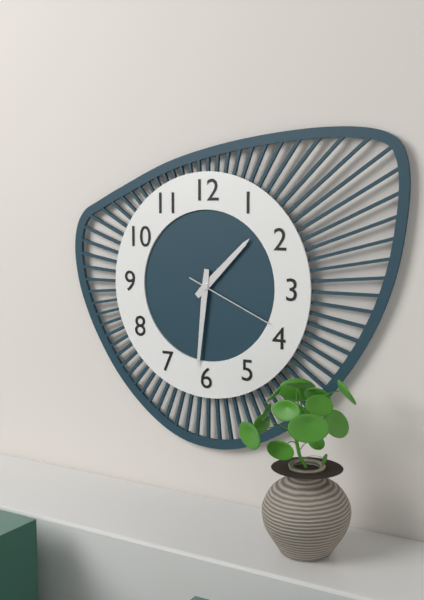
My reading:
1:31:19
